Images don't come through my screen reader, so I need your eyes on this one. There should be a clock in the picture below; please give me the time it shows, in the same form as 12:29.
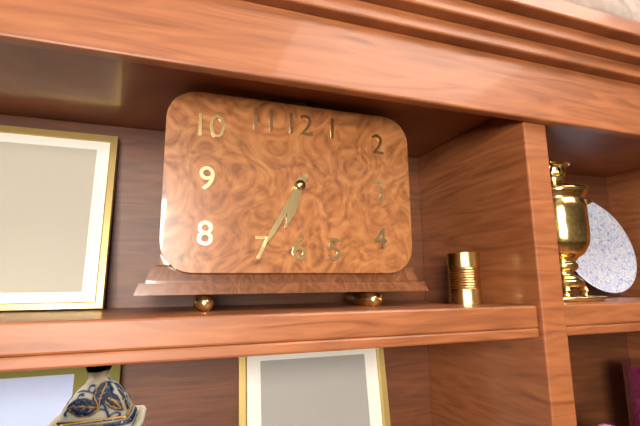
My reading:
6:35
